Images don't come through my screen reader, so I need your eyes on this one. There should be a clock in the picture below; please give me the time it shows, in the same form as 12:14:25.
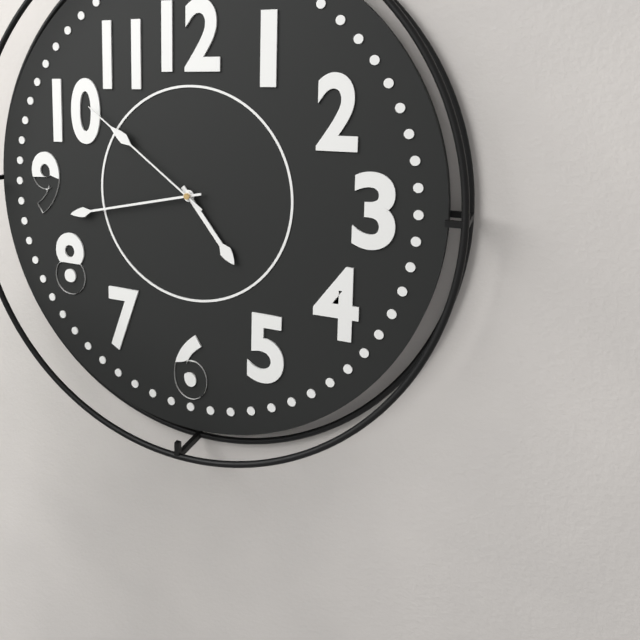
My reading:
4:43:51
